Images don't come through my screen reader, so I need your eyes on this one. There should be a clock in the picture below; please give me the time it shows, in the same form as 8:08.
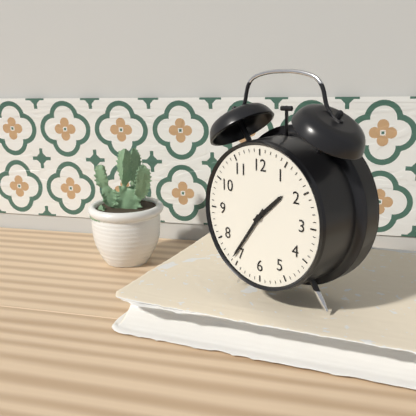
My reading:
1:36
